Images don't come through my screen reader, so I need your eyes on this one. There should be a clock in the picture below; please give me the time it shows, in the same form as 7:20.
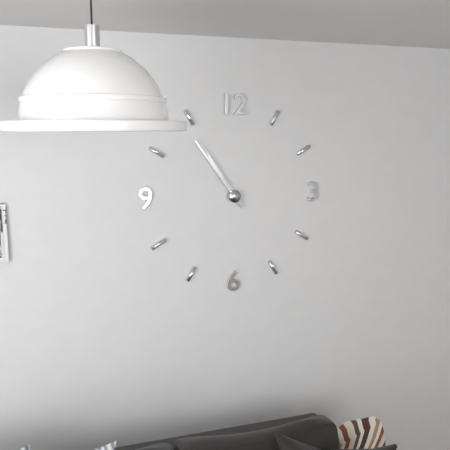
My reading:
10:54
